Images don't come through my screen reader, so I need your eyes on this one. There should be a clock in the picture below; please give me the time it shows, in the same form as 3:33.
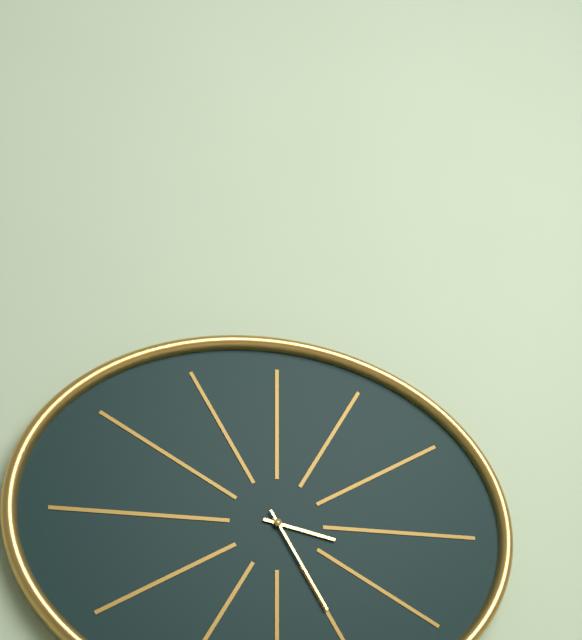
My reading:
3:25
